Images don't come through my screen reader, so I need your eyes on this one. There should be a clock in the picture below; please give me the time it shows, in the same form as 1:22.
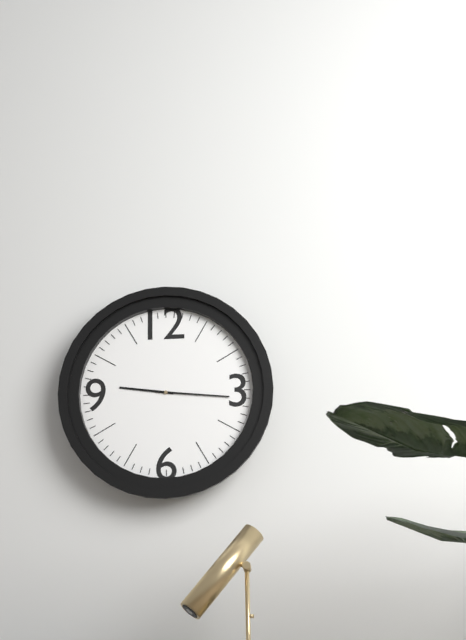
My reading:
9:16
